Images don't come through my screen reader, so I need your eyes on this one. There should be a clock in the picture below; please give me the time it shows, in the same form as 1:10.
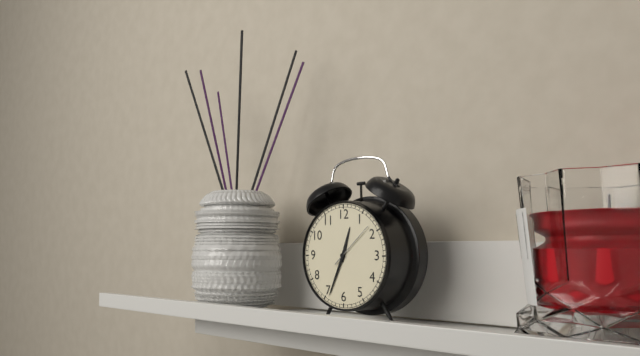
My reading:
12:34
